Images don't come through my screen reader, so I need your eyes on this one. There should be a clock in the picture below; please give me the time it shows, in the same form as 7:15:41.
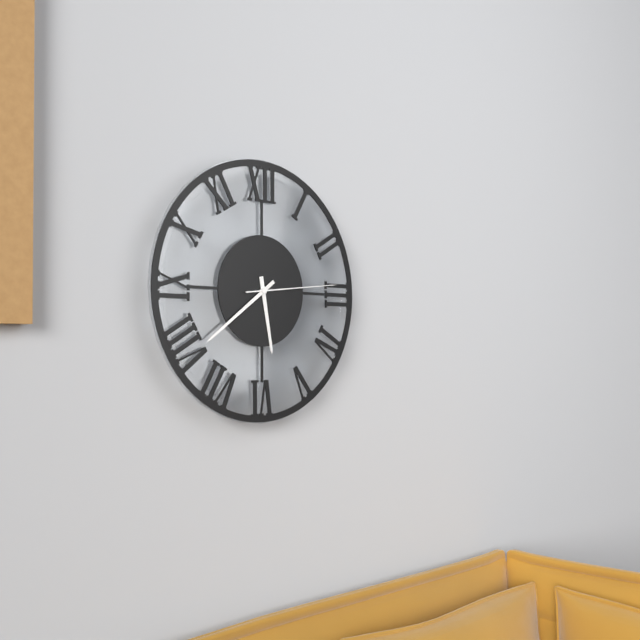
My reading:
5:39:14
